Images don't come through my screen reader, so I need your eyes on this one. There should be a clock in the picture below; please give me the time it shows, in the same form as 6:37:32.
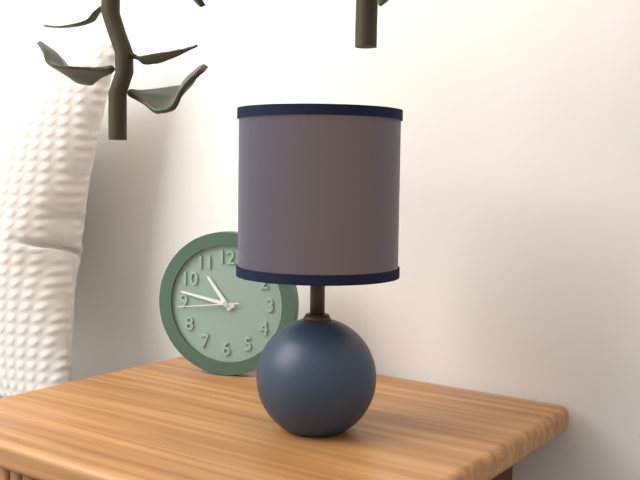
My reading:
10:47:44
